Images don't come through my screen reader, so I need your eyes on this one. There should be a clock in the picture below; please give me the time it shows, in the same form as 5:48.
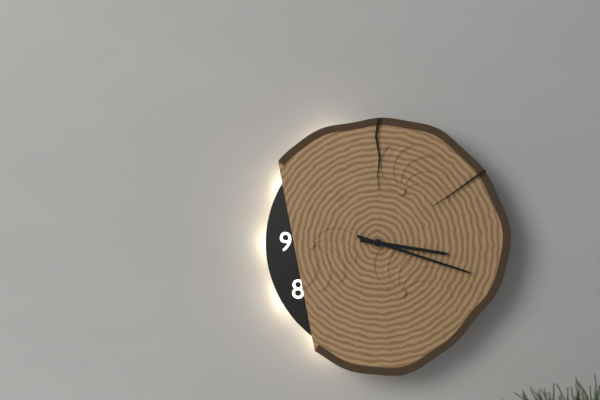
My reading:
3:18
